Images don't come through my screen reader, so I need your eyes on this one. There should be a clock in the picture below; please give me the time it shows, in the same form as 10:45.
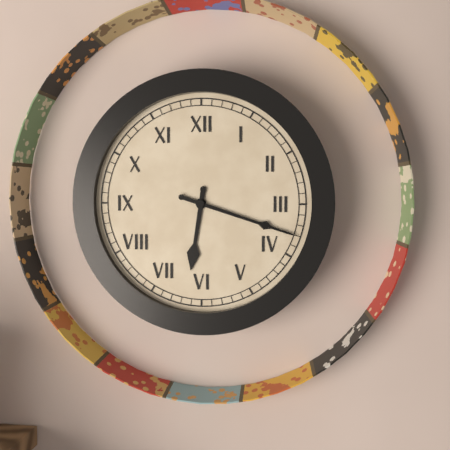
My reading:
6:18
